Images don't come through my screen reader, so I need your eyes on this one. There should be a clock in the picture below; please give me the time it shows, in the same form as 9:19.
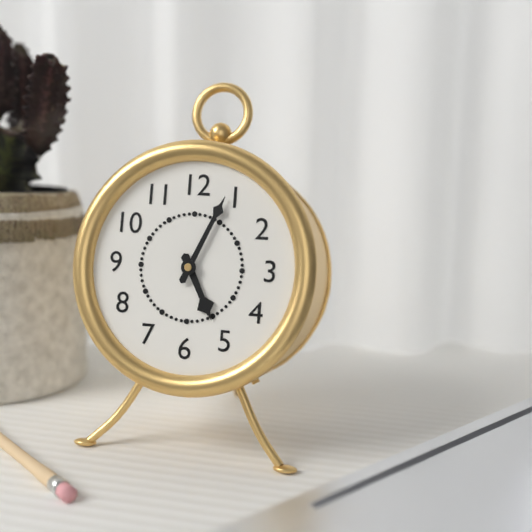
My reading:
5:04
